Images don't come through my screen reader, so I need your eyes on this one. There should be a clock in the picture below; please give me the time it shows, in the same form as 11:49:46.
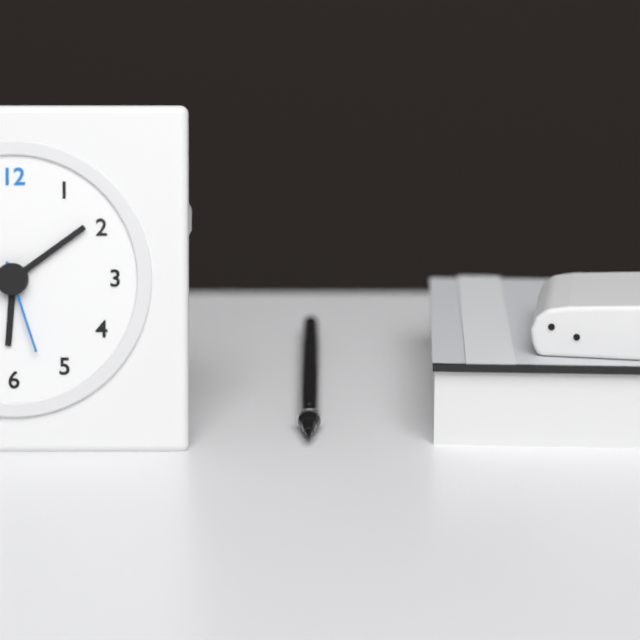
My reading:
6:09:27
